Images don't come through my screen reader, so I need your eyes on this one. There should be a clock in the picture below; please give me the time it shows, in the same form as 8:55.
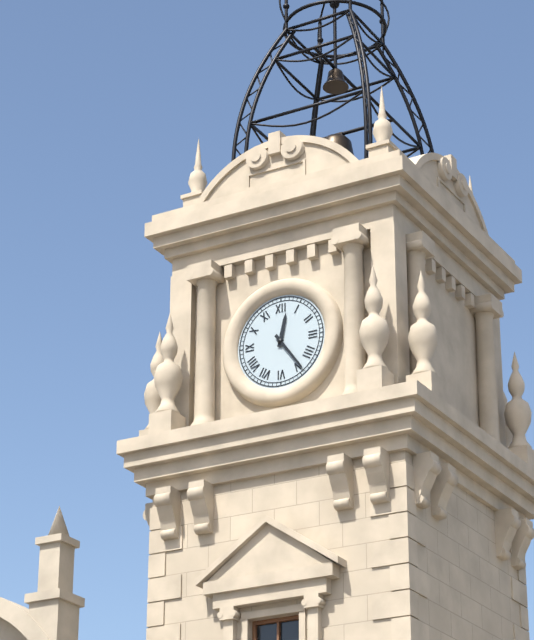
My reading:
12:24
